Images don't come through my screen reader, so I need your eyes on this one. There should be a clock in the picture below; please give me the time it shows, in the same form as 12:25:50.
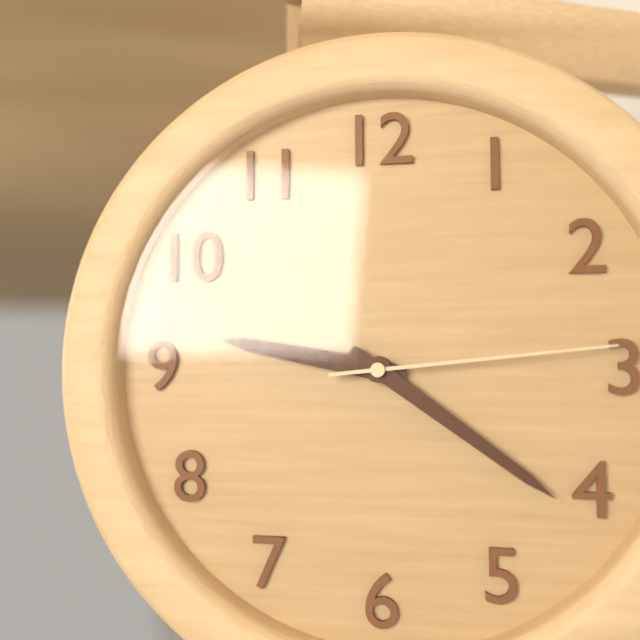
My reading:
9:21:14
